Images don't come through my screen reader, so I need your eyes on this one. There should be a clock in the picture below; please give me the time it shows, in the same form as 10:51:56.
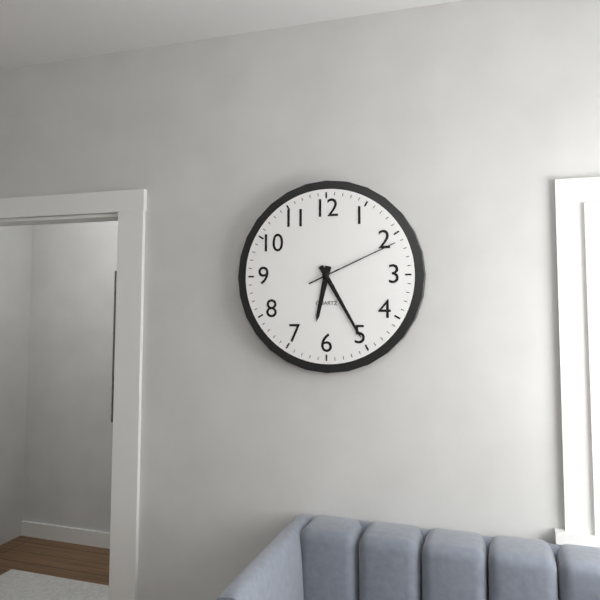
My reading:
6:25:11
